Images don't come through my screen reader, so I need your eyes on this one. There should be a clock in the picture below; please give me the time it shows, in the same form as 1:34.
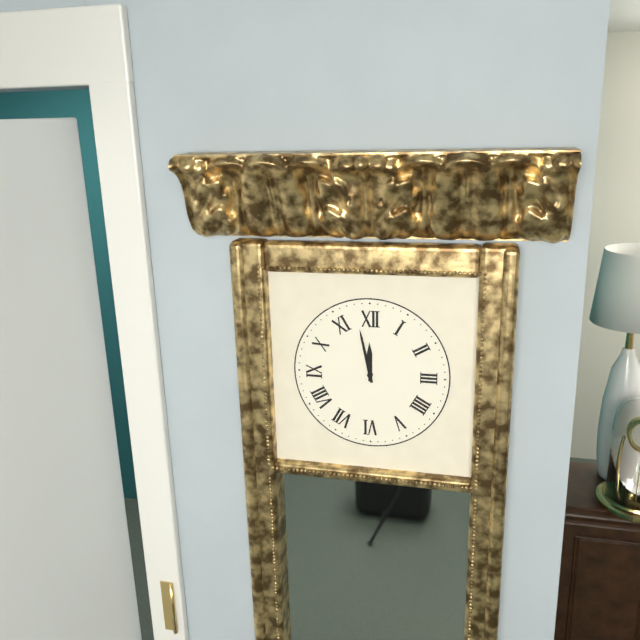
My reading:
11:58
